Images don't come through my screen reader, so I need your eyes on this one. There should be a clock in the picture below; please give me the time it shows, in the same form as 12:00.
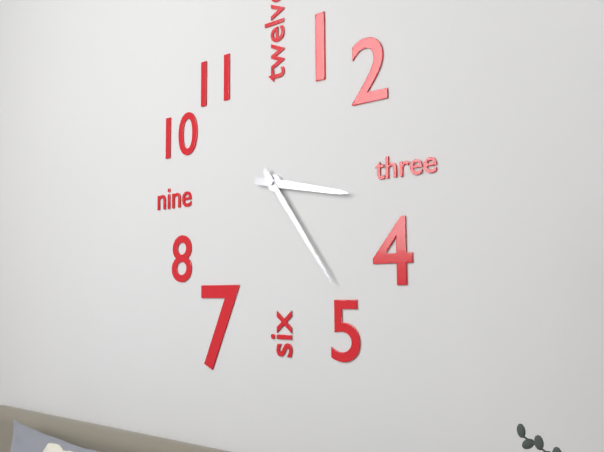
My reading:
3:24
